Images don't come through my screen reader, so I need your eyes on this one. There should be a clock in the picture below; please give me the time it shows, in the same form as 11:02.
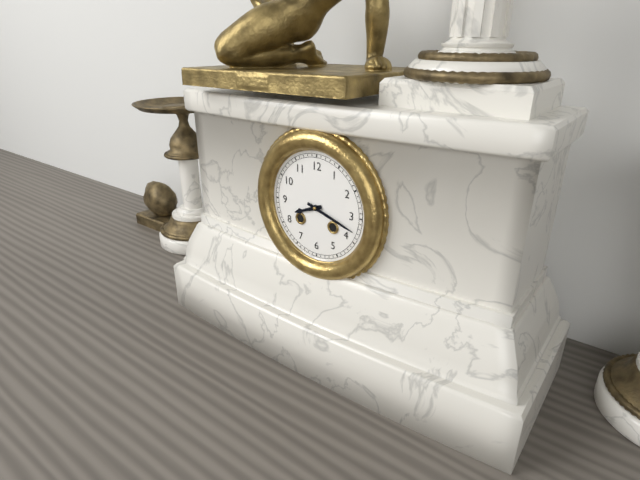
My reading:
8:18
